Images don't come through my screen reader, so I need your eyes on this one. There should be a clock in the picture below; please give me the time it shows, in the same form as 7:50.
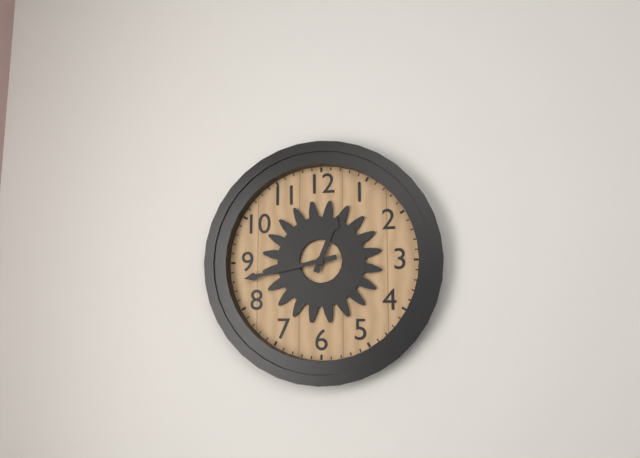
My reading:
12:43
